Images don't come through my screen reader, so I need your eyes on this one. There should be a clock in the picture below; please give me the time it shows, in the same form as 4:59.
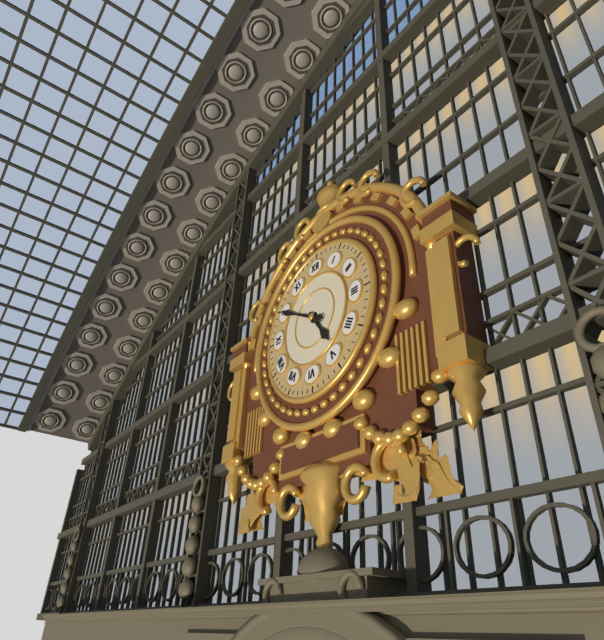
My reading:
4:50
